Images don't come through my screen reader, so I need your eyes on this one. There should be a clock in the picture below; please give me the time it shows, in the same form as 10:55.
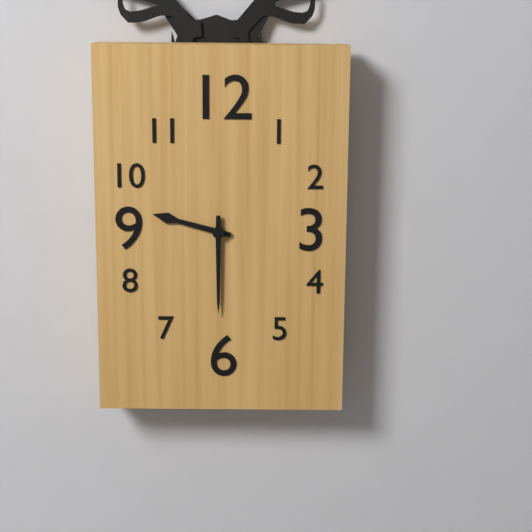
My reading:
9:30
